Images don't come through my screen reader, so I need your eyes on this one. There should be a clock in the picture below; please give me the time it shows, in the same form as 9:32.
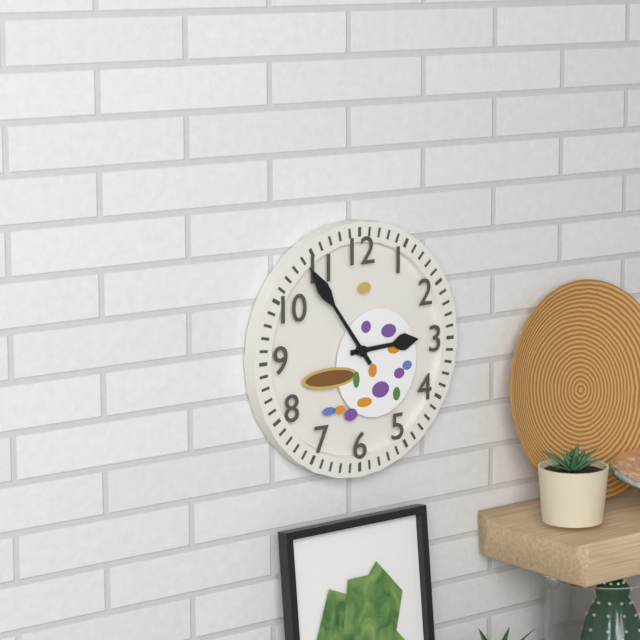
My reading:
2:54
